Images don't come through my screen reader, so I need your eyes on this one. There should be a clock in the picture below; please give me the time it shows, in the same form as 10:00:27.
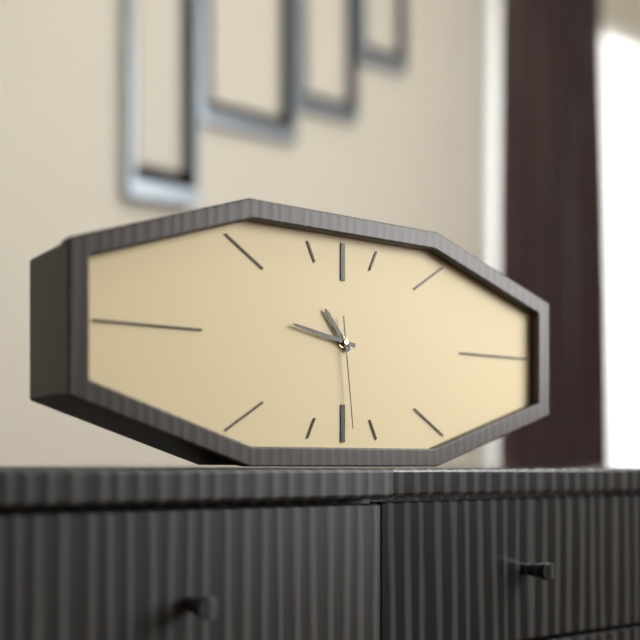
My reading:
10:47:29
